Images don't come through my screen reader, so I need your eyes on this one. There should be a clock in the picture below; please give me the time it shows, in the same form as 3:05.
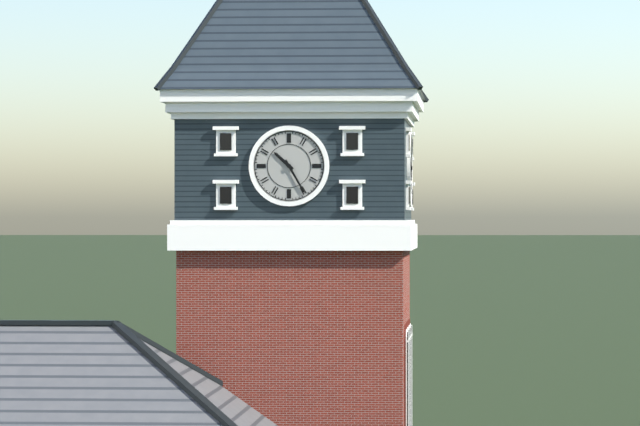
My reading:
10:25
